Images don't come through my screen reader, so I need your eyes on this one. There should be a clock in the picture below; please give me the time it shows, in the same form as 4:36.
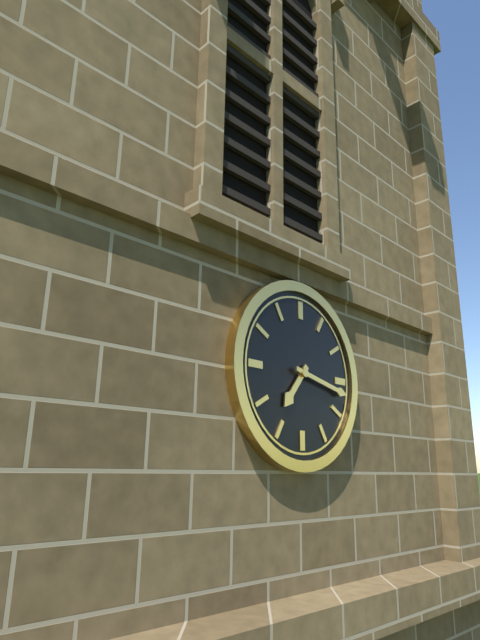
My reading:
7:17
